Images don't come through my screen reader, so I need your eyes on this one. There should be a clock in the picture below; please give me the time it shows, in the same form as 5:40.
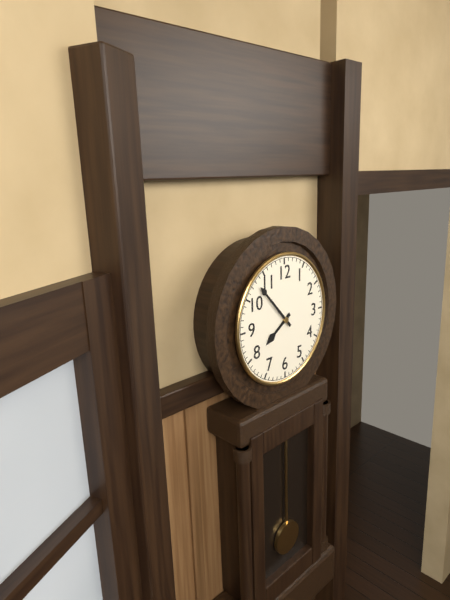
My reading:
7:53
